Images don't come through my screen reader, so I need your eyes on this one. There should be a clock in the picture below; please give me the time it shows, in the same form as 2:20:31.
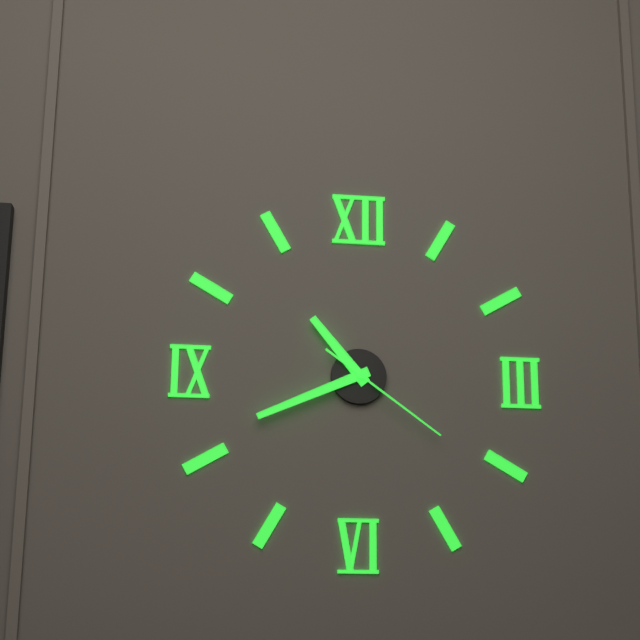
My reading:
10:41:21
